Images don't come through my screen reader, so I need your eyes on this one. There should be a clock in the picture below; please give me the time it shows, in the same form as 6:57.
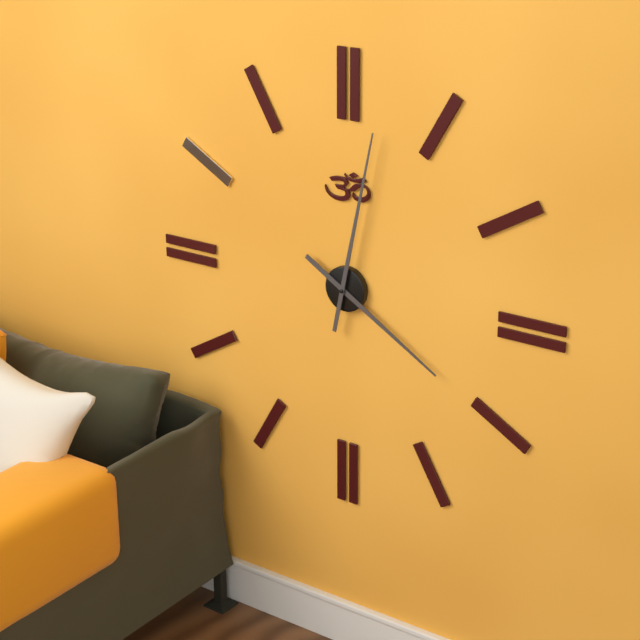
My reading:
4:02
